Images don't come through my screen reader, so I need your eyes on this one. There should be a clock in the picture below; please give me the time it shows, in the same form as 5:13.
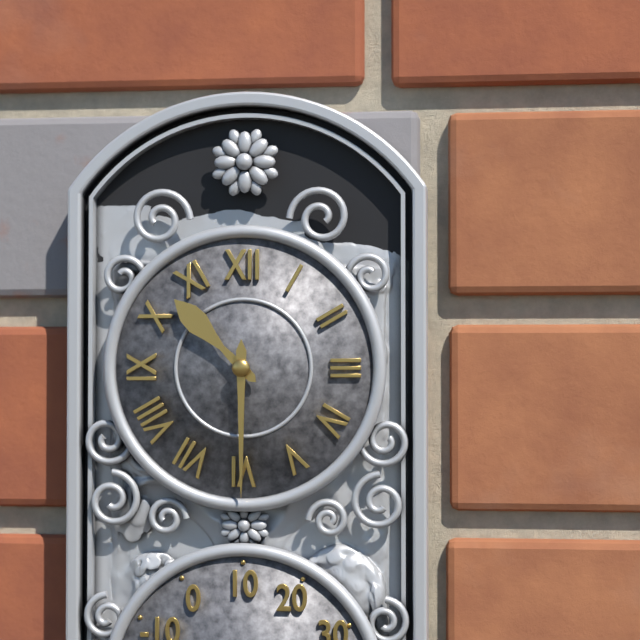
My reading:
10:30
